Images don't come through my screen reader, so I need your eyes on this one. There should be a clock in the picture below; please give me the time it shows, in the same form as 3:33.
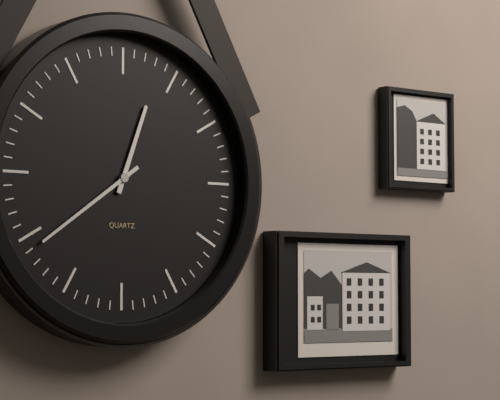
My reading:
12:39
